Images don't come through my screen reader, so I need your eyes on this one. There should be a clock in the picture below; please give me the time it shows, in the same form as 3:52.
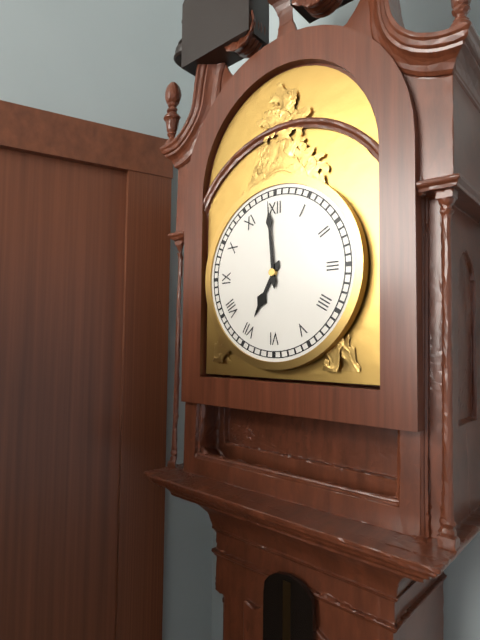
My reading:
6:59
